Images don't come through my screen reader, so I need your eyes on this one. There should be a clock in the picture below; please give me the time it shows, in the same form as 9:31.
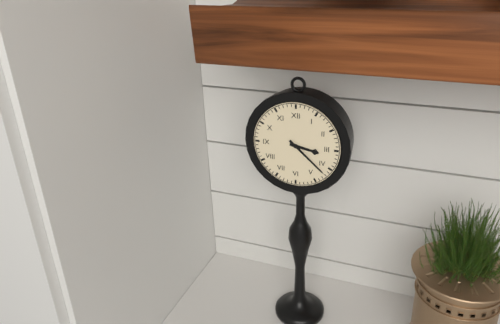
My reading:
3:22
